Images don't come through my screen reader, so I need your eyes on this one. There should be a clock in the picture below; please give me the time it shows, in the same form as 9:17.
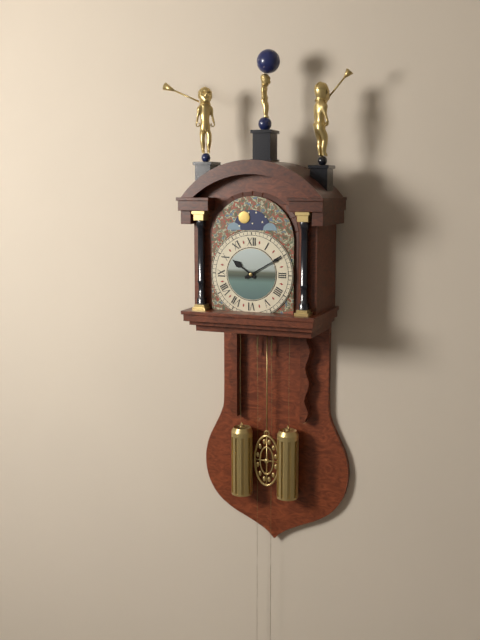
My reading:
10:10
